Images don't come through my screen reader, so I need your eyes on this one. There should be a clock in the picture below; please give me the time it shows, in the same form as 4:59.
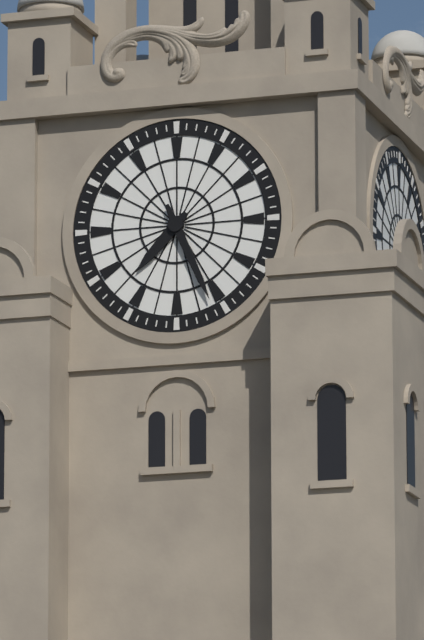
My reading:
7:26
